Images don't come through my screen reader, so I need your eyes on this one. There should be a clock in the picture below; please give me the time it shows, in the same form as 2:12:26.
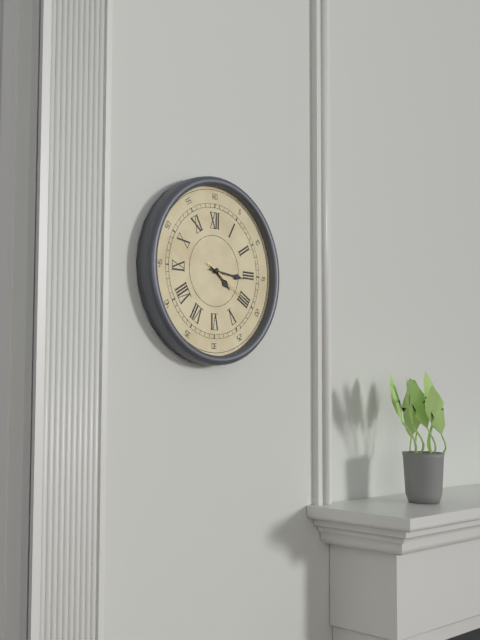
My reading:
4:16:20
